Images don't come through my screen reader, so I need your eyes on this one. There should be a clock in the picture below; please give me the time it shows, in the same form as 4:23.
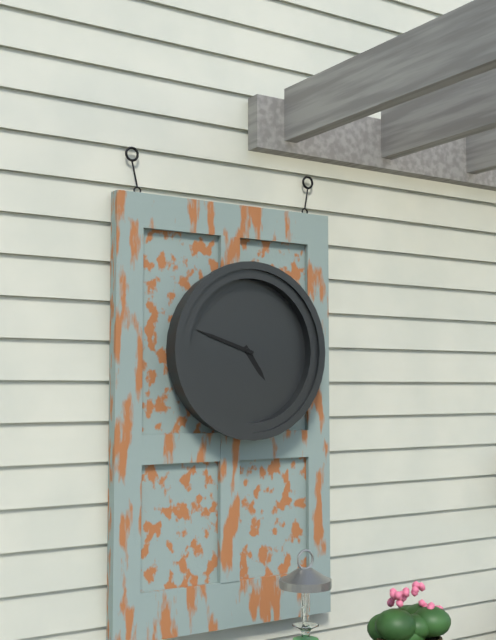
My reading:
4:48
